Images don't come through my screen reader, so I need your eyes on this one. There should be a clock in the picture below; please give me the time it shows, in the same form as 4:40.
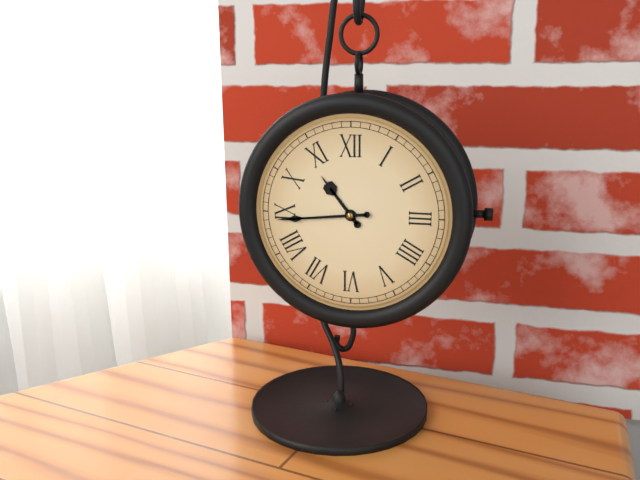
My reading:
10:44
